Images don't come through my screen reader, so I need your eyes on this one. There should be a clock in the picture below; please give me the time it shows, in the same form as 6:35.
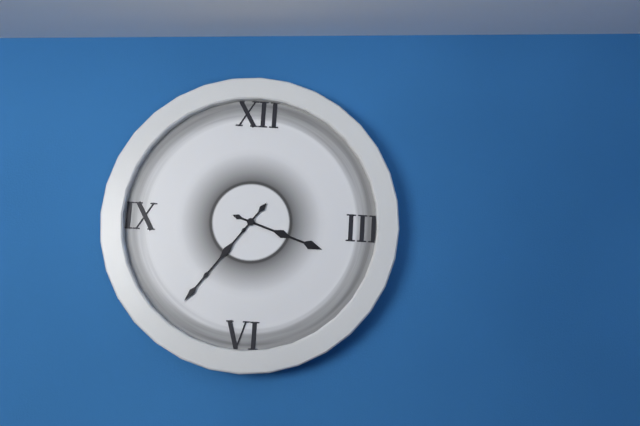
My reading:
3:36
